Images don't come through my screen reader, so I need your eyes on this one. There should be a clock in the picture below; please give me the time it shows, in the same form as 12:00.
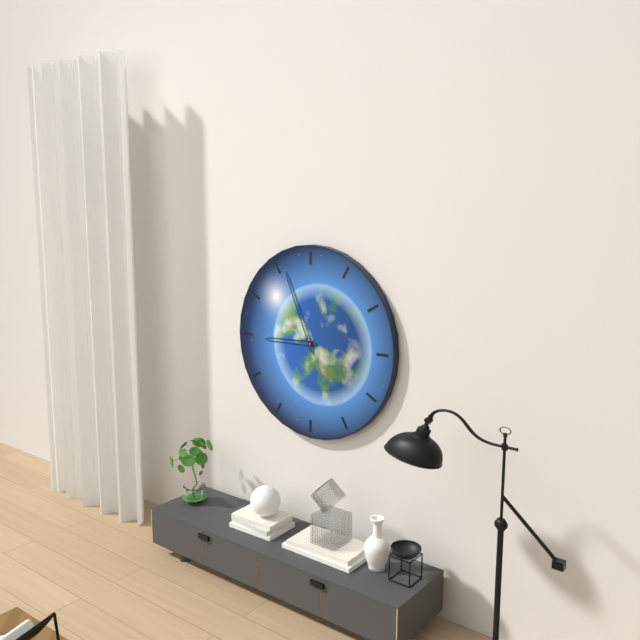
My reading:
8:56
